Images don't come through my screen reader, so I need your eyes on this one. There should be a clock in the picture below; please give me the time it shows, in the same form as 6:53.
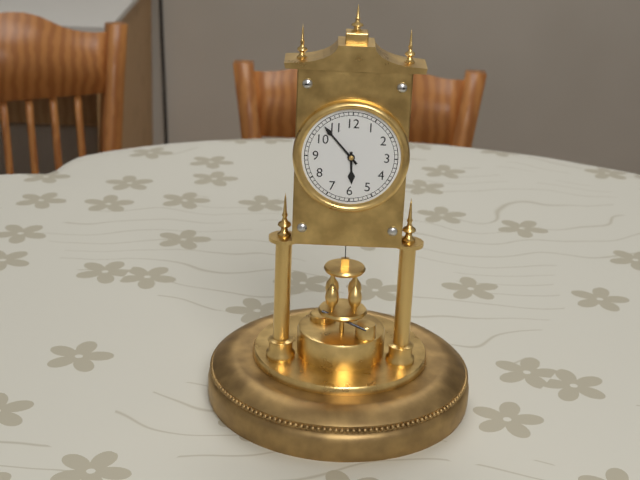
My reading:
5:53
